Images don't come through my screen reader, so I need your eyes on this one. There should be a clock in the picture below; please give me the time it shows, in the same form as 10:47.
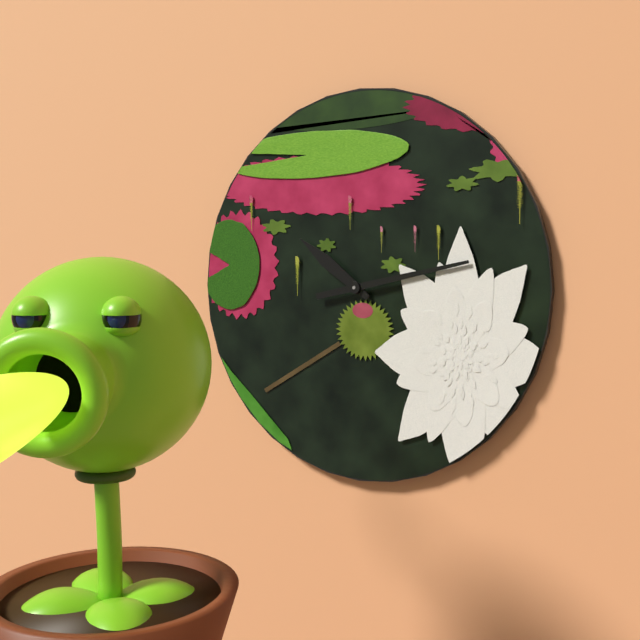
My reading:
10:13
